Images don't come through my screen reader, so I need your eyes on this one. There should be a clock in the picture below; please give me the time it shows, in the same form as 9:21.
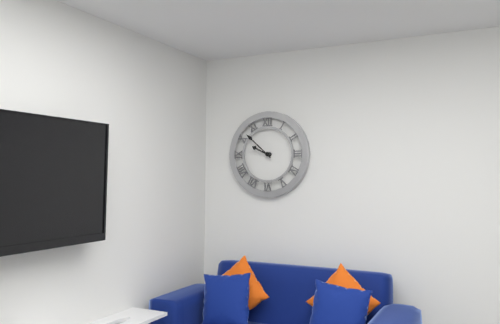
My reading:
9:52
